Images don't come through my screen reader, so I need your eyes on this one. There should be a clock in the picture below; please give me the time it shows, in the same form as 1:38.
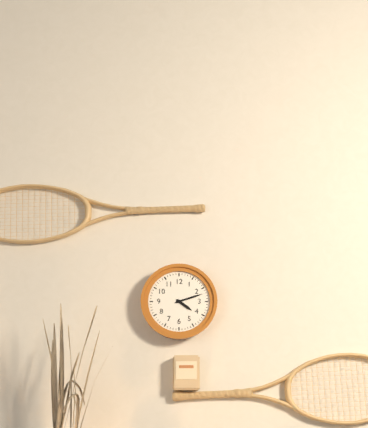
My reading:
4:12
